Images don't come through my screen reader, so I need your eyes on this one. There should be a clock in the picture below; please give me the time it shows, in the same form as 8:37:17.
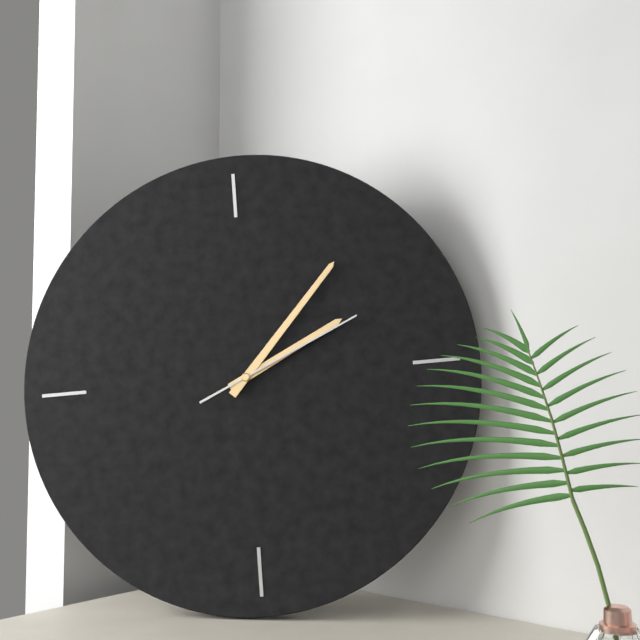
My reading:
2:07:11
